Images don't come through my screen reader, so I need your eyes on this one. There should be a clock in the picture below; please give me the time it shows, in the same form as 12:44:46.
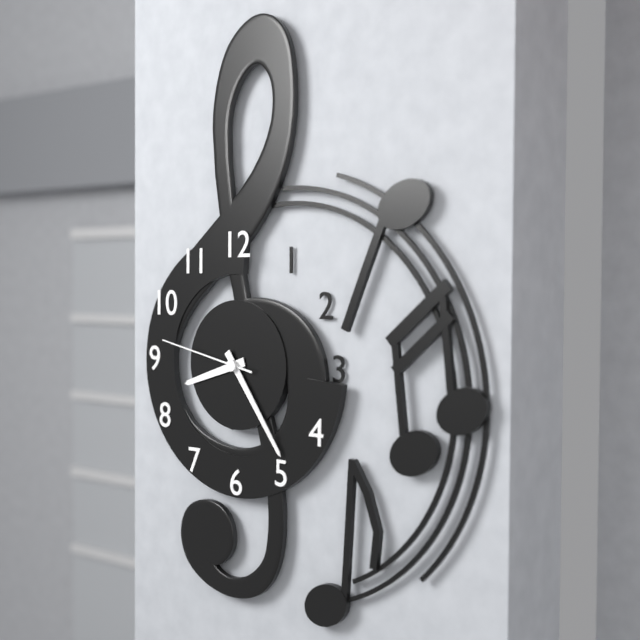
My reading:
8:24:47
